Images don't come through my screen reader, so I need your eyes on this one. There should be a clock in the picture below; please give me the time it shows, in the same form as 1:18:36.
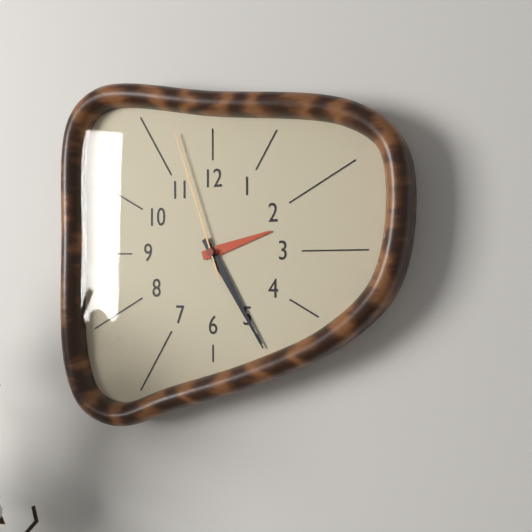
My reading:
2:25:57
